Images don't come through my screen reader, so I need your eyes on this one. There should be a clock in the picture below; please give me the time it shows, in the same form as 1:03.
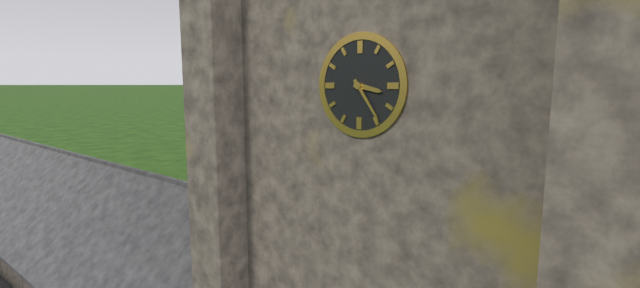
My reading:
3:24
